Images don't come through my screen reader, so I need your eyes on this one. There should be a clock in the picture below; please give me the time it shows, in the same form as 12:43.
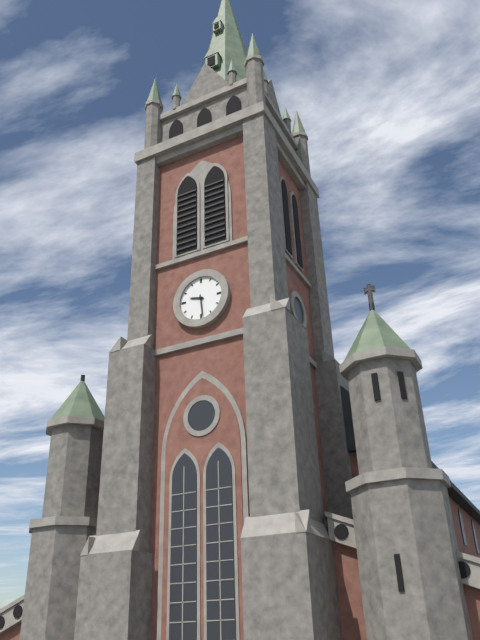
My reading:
9:29
